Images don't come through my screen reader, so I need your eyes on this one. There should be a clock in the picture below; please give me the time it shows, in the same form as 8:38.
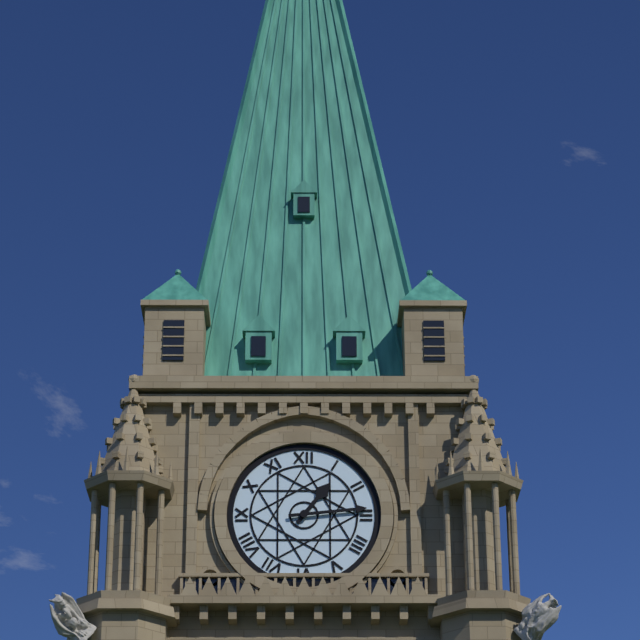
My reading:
1:14
